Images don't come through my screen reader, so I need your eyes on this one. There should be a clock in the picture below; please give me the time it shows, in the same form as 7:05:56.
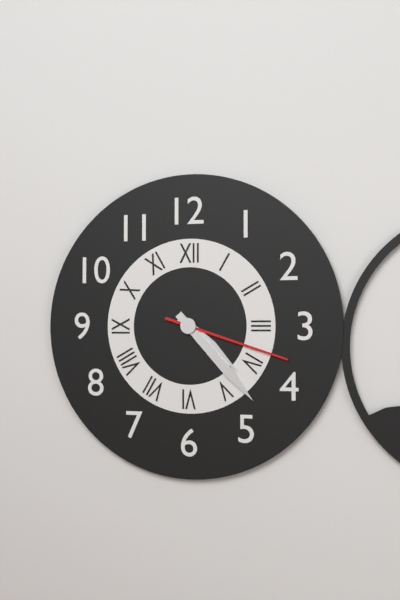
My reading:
4:23:18
